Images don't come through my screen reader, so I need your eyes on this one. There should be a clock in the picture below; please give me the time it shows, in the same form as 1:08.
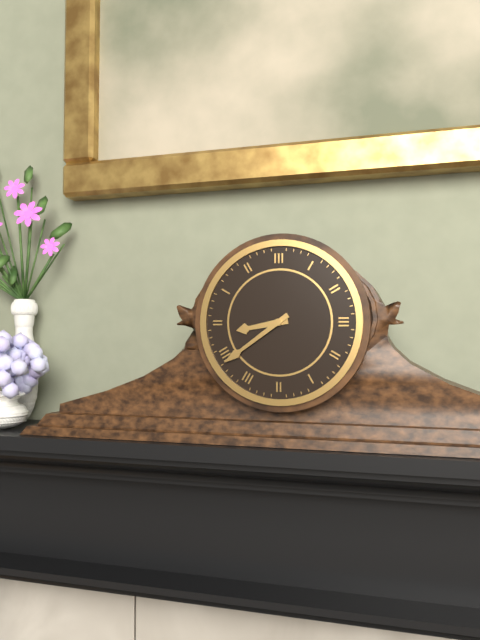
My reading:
8:39
